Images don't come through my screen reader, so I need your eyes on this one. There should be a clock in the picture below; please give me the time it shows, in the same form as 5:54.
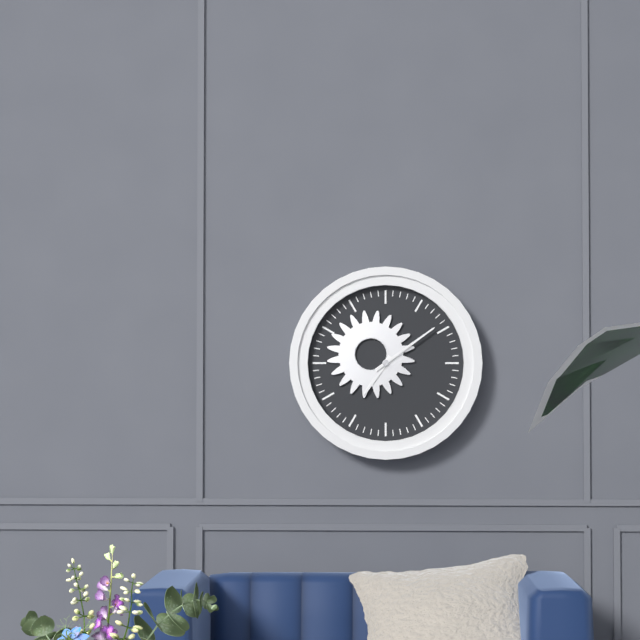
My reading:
7:09
